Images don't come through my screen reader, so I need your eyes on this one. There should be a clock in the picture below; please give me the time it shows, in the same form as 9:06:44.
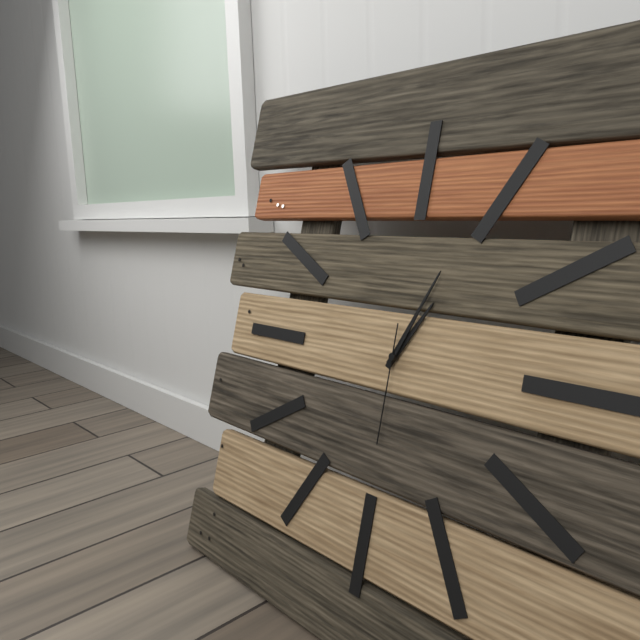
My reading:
1:04:30
